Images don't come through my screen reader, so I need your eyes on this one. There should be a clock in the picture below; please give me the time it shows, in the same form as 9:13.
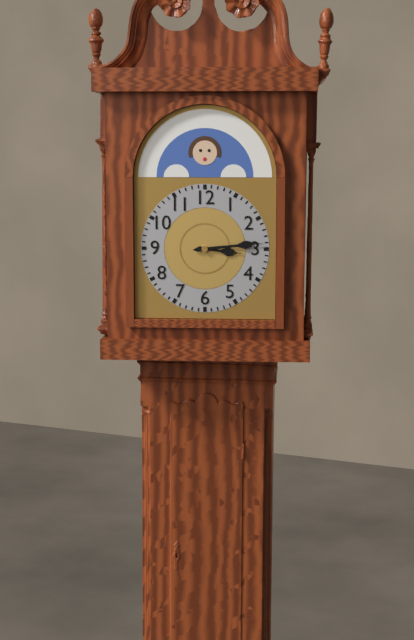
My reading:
3:14
